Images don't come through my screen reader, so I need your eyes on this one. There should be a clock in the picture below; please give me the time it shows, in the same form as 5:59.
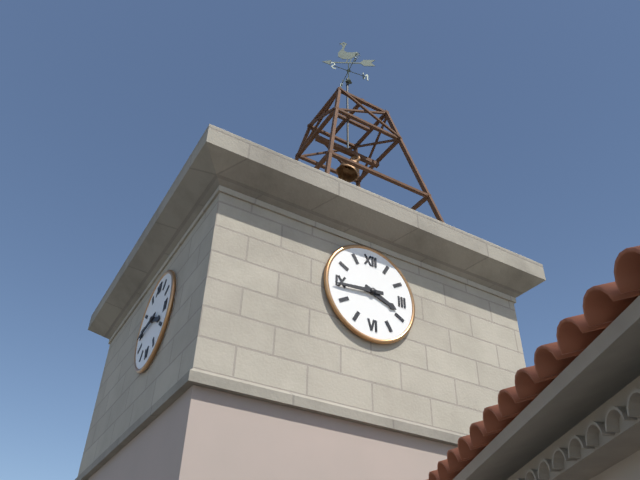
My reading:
3:44
